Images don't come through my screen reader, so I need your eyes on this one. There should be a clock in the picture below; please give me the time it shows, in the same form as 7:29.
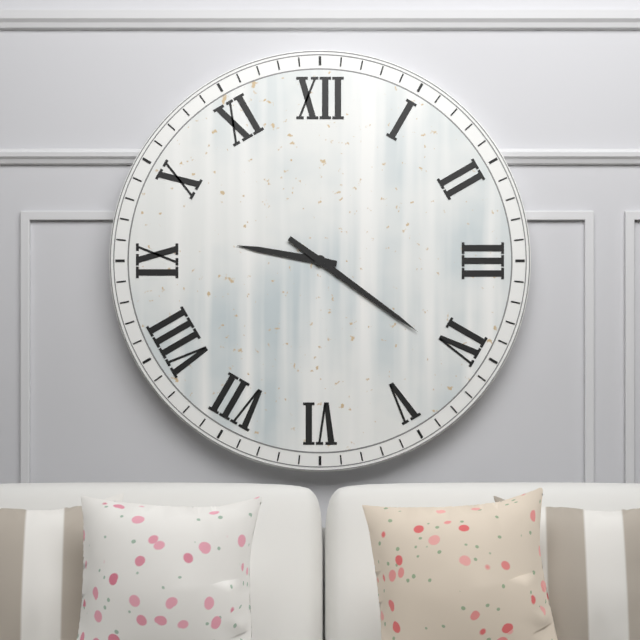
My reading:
9:21
